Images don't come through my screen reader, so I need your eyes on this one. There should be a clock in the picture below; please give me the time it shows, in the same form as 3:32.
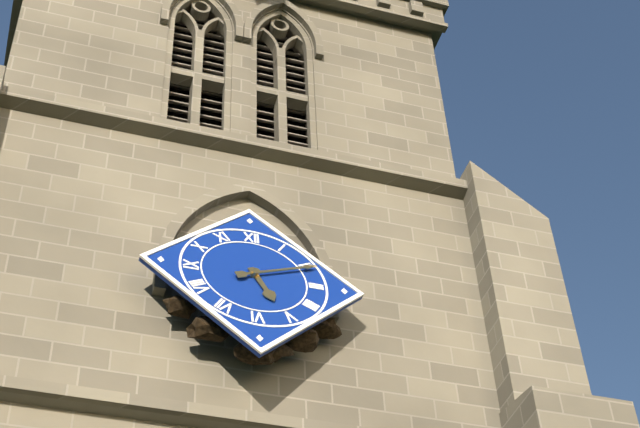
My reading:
5:11
